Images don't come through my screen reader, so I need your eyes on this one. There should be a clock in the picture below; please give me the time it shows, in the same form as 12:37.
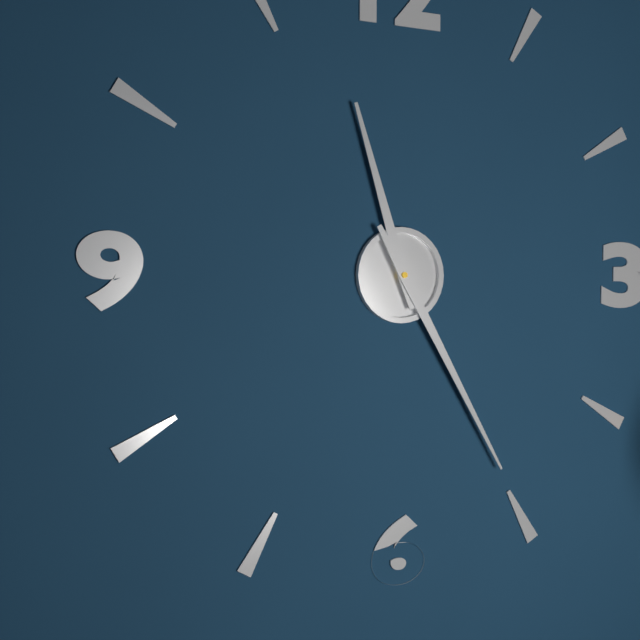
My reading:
11:25
